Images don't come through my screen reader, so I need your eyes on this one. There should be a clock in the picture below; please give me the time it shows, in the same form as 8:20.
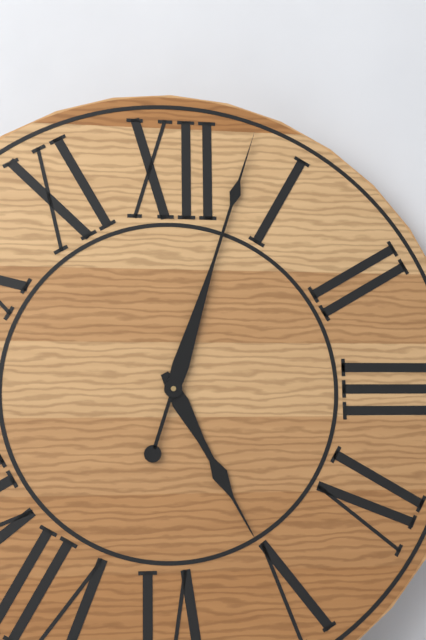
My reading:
5:03
